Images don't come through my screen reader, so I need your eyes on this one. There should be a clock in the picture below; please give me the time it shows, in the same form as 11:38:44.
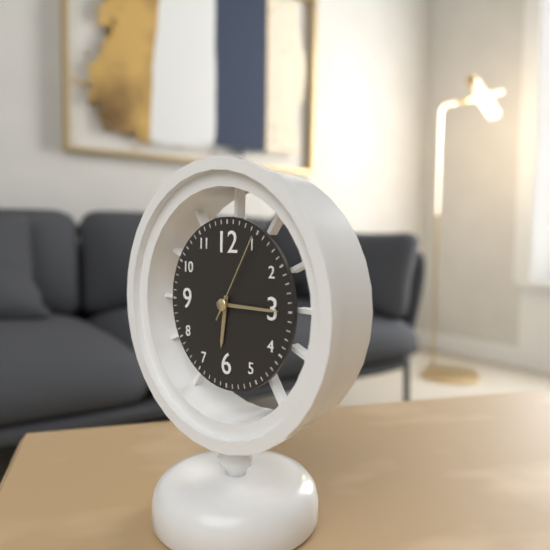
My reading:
6:15:05
